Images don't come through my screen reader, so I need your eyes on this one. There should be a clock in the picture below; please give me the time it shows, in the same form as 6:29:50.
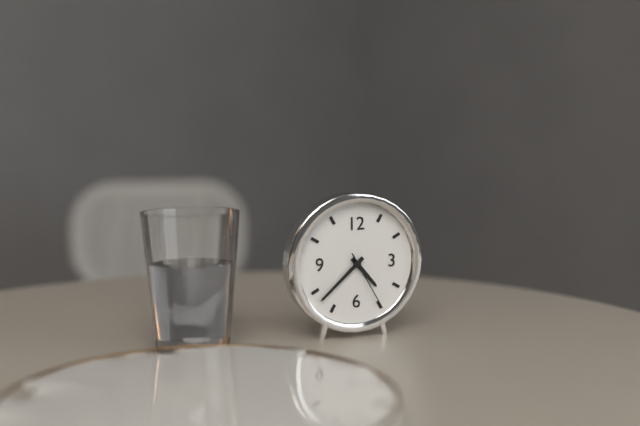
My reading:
4:38:25
